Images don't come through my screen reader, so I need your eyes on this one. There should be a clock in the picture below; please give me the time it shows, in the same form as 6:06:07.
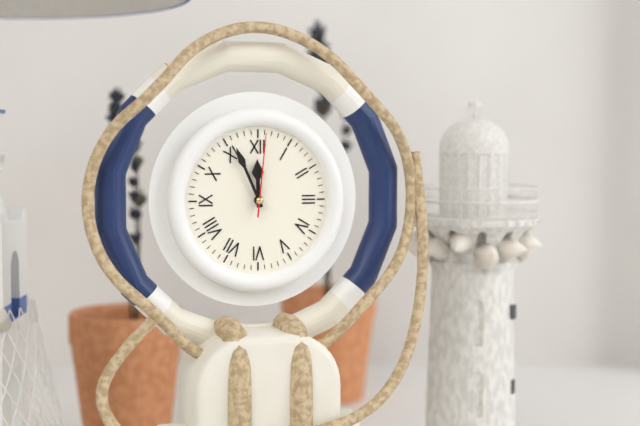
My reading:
11:56:01
